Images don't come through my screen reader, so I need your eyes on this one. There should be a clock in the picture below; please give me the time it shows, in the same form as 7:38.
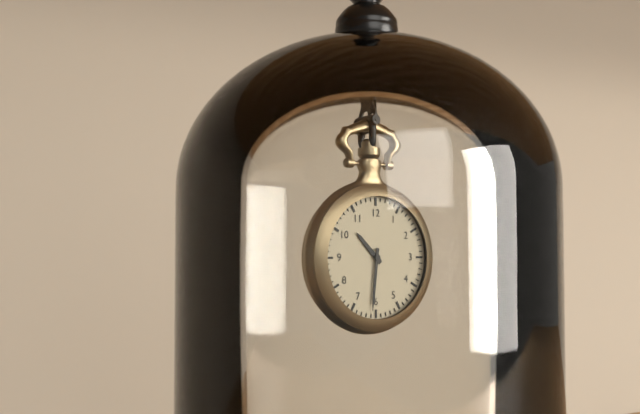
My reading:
10:31
